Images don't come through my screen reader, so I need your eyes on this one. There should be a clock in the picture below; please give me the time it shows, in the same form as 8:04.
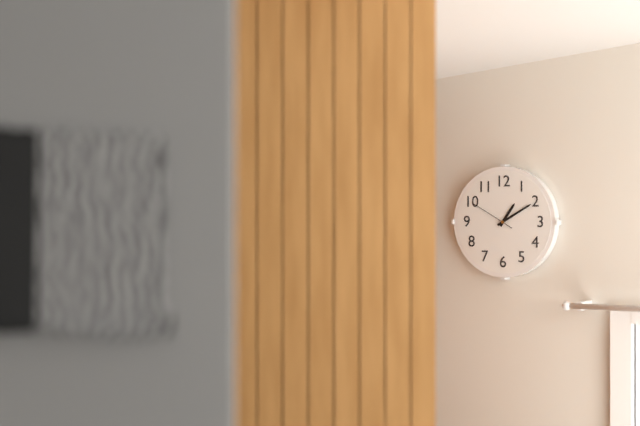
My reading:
1:10
